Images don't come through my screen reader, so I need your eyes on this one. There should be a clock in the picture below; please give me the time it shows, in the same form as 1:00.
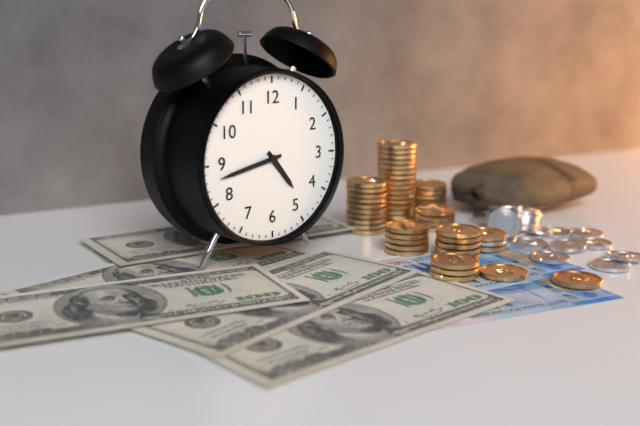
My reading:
4:43
